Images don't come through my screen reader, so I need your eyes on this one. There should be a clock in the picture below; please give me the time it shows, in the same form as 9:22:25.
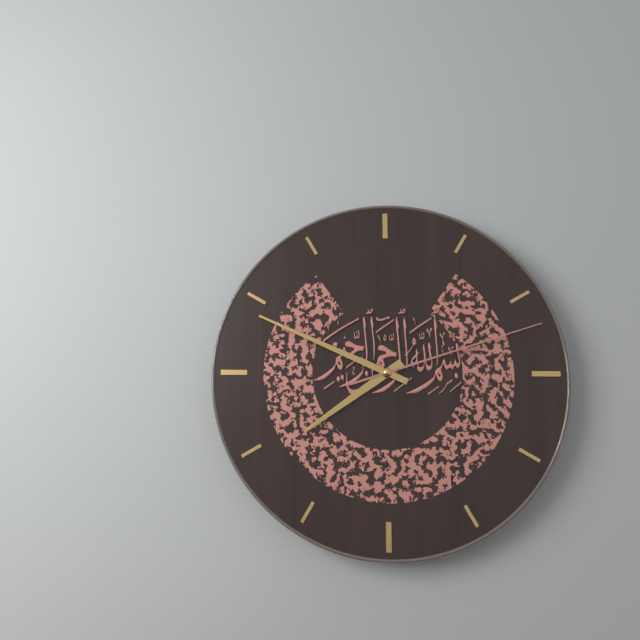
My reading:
7:49:12
